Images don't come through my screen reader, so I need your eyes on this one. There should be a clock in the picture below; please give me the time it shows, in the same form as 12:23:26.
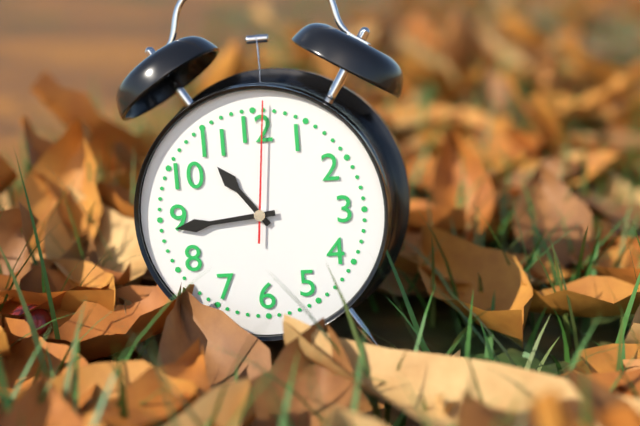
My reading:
10:44:01
